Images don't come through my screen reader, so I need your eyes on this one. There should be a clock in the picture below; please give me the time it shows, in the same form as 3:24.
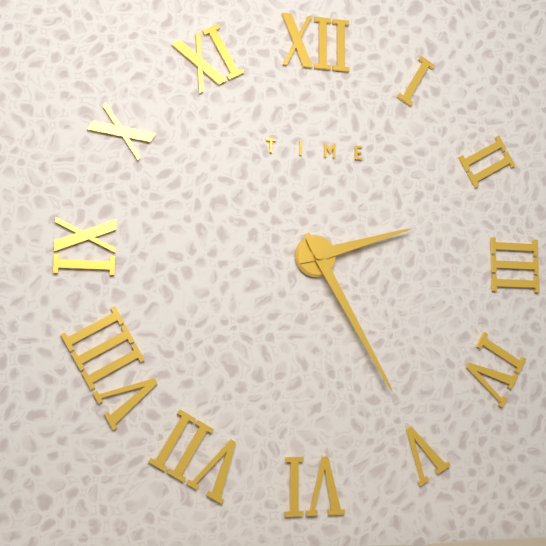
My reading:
2:25
